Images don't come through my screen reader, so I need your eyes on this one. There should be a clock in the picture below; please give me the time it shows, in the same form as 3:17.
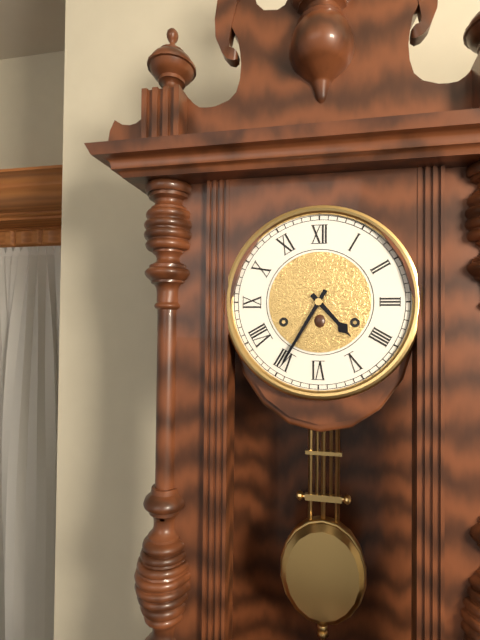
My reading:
4:35
